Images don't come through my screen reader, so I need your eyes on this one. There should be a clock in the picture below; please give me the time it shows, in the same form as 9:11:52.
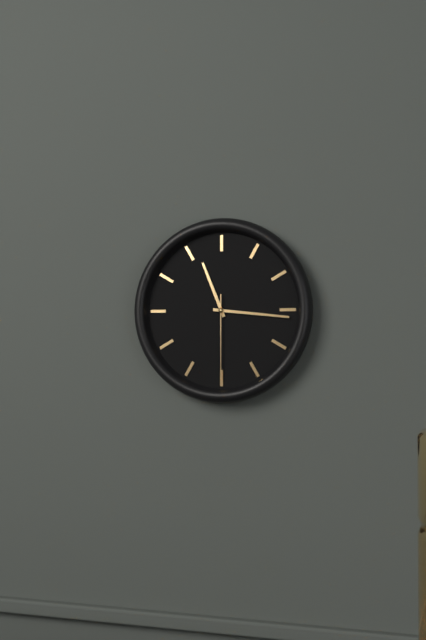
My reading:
11:16:30
